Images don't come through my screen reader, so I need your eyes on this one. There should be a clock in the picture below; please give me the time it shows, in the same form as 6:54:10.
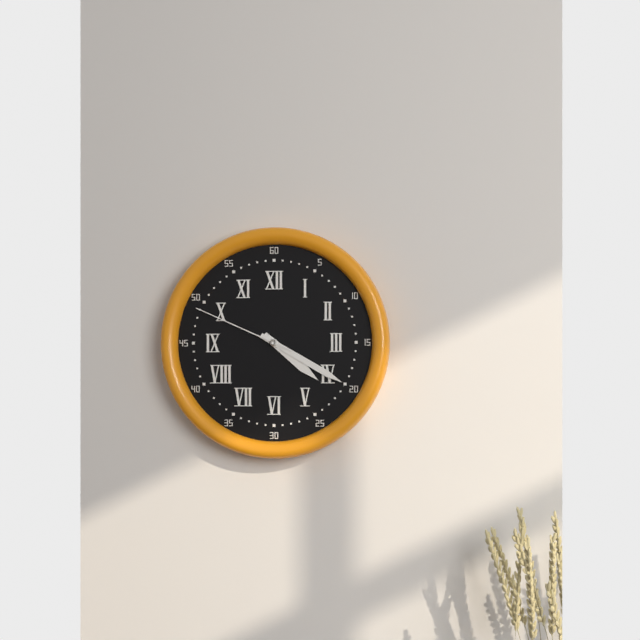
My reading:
4:20:49
